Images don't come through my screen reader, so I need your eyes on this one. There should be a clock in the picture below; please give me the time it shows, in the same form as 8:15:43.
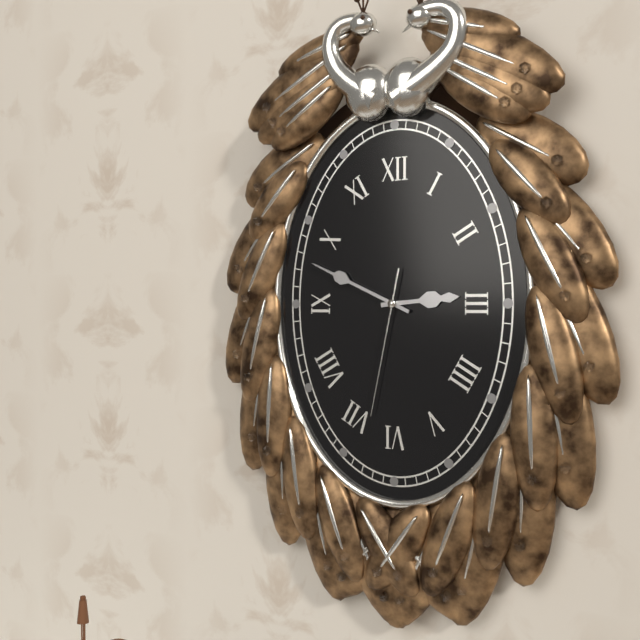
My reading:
2:49:32
